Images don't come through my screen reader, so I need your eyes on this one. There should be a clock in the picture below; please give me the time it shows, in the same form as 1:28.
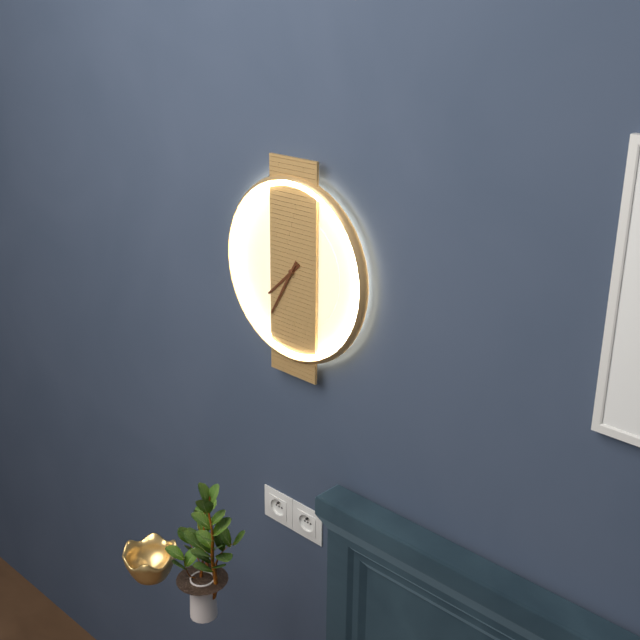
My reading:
7:35
